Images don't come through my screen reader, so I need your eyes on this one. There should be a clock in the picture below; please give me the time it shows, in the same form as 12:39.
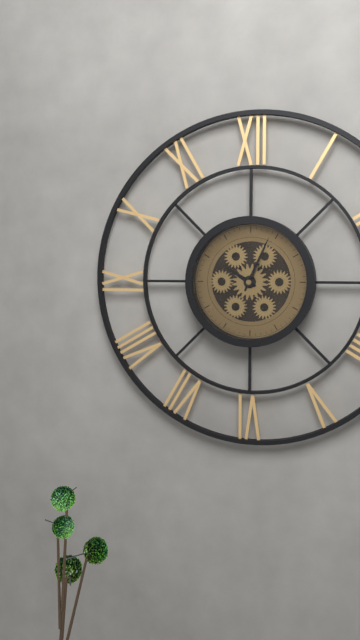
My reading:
10:04
